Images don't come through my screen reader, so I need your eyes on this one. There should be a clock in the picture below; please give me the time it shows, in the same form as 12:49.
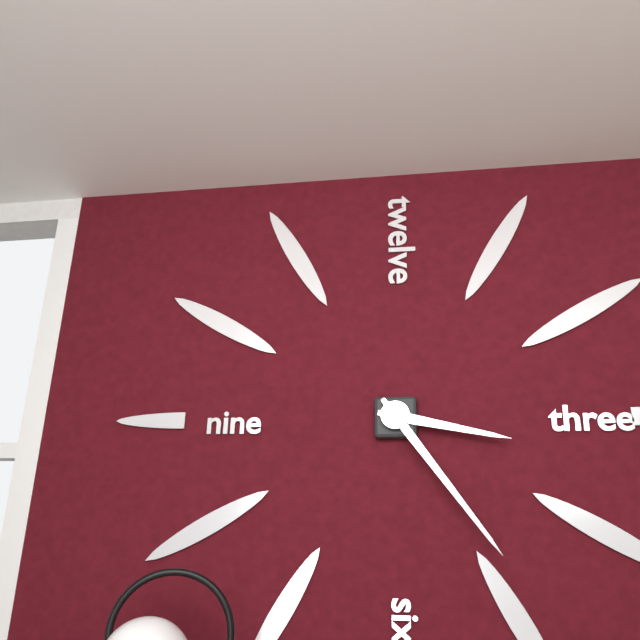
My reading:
3:24
